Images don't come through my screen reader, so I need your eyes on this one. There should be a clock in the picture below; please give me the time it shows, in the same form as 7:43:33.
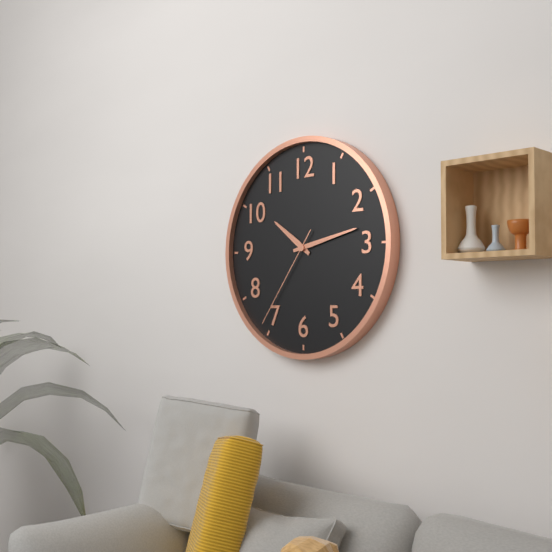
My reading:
10:13:36
